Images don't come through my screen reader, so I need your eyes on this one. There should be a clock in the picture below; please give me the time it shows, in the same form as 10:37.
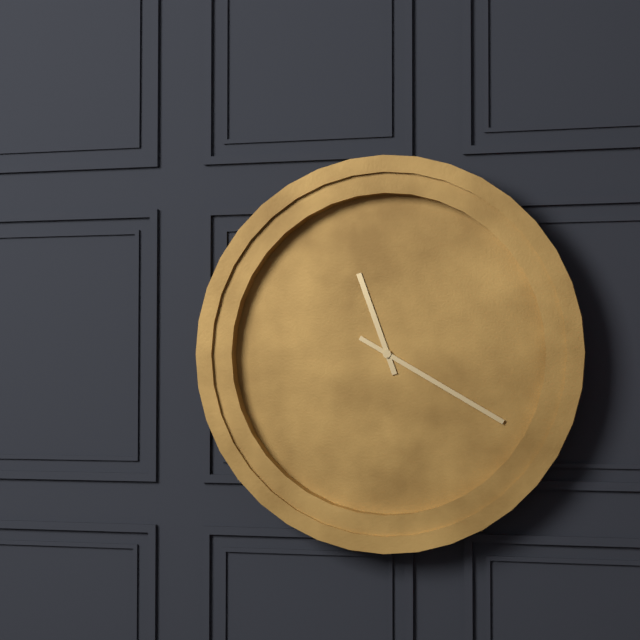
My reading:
11:20
